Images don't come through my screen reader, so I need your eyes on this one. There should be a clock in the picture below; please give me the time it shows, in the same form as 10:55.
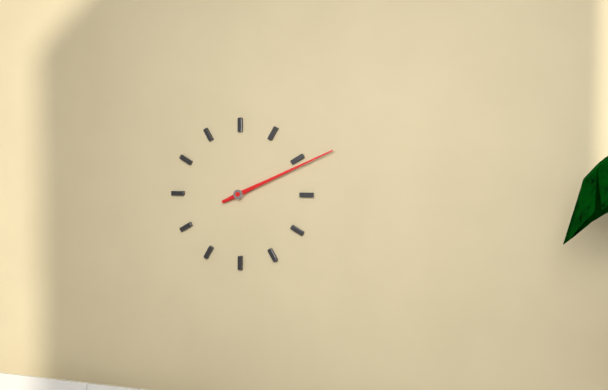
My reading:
2:11
